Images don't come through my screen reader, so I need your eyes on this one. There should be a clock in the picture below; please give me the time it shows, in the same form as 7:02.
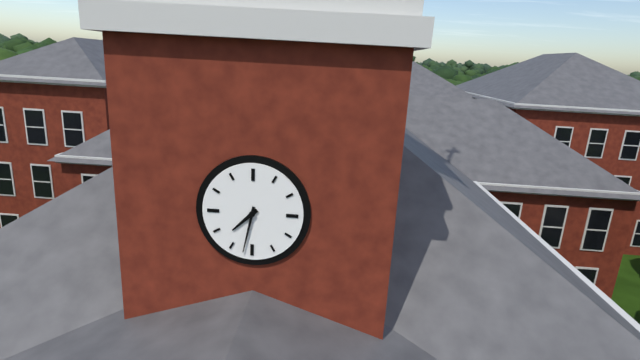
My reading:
7:32
